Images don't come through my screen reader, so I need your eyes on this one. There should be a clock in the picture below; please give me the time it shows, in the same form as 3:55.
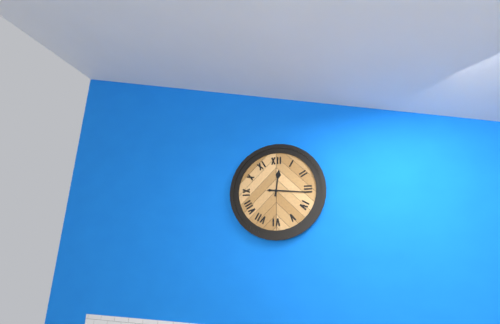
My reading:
12:16
